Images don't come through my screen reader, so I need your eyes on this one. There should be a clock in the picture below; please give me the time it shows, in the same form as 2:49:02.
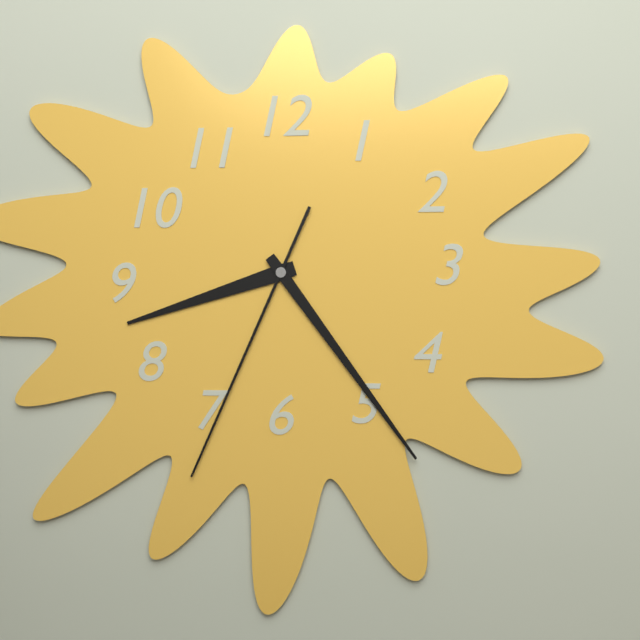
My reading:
8:24:34
